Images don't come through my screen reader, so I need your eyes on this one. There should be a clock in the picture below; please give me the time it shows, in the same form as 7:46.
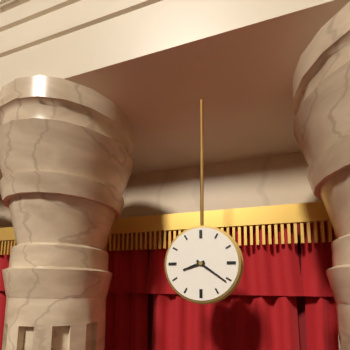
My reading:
8:21
